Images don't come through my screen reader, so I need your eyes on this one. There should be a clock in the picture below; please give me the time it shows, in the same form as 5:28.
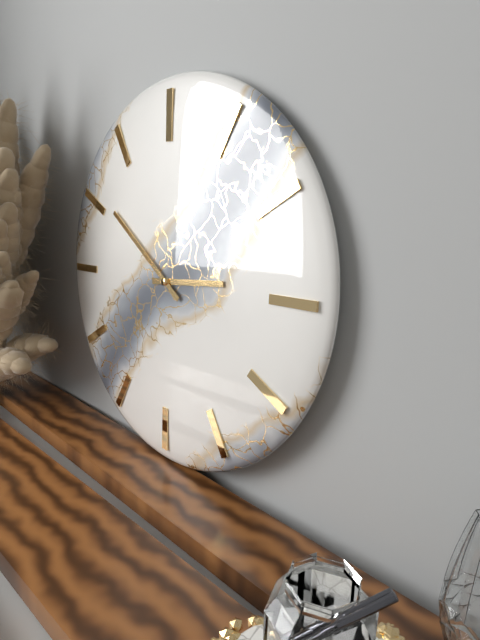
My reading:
2:51
